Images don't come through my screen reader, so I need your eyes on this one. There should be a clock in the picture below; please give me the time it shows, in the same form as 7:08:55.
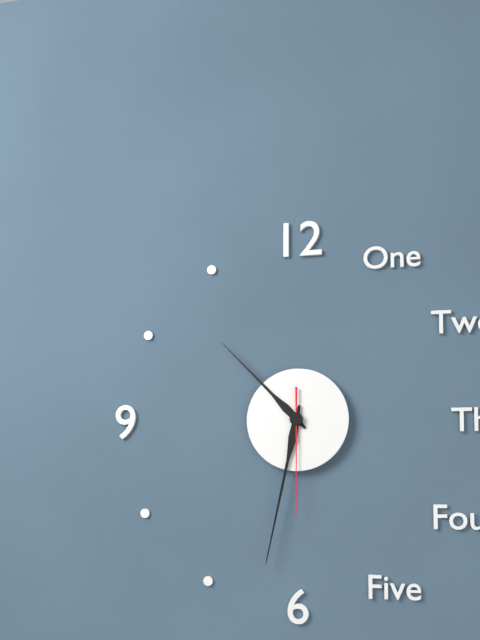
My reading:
10:32:30
